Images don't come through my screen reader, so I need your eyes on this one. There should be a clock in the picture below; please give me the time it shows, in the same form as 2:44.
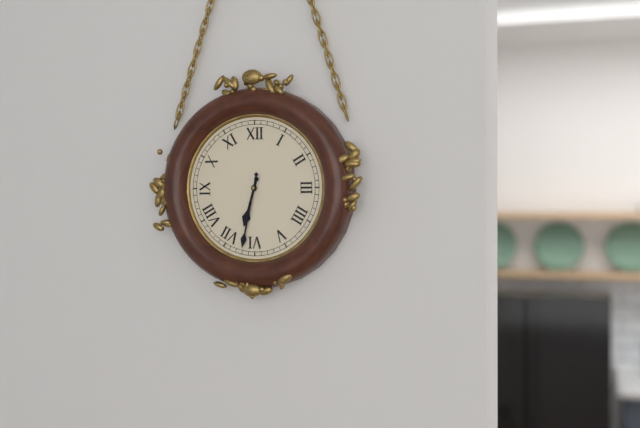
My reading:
6:32
